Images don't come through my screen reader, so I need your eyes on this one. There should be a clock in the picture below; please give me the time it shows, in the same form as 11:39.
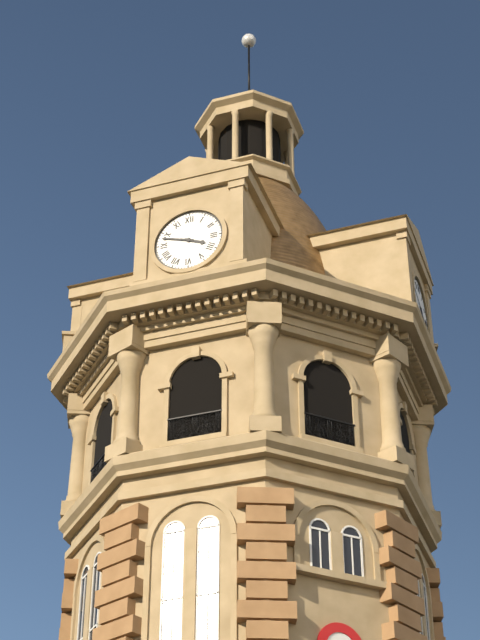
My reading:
3:48
